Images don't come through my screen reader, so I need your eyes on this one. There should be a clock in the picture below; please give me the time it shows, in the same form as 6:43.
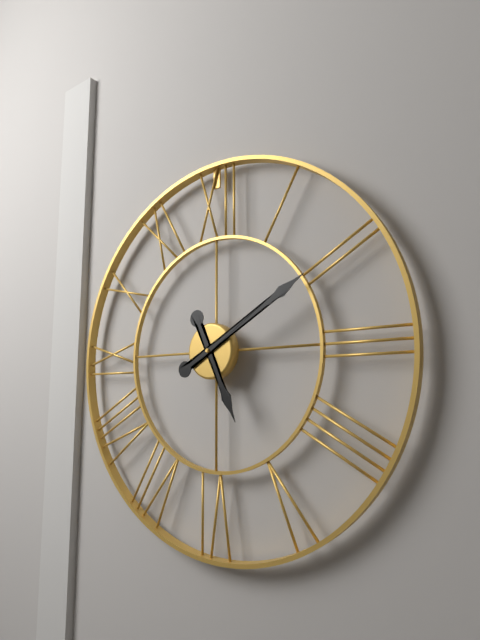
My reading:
5:10
